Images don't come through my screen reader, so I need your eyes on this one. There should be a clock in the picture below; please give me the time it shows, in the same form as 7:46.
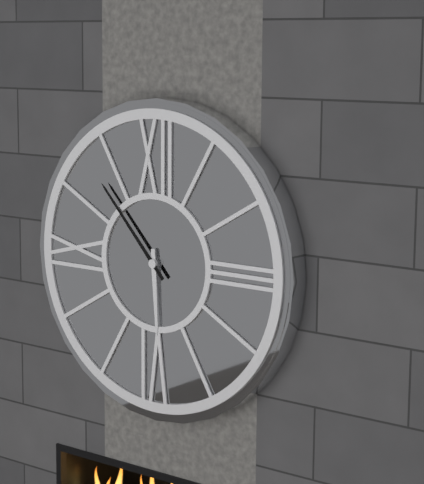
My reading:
5:53
